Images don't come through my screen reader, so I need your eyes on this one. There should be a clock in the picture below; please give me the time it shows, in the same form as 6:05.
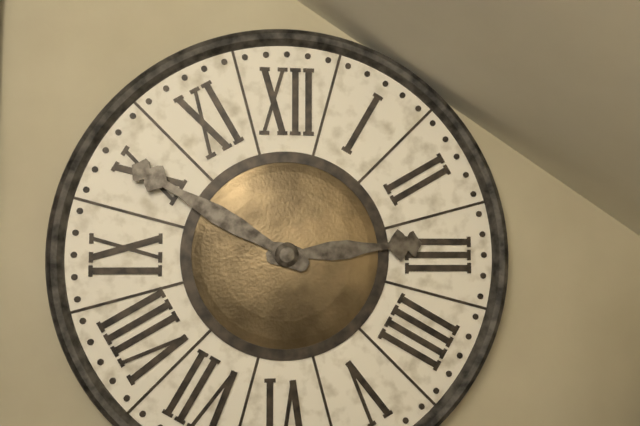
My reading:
2:50
